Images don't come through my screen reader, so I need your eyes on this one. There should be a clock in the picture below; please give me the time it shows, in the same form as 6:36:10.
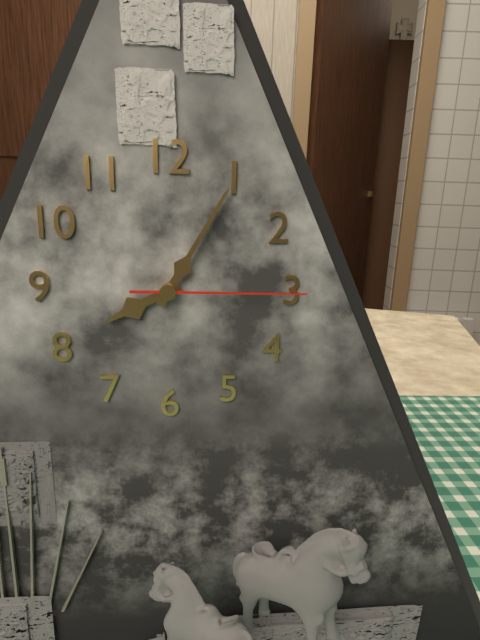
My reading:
8:05:15
